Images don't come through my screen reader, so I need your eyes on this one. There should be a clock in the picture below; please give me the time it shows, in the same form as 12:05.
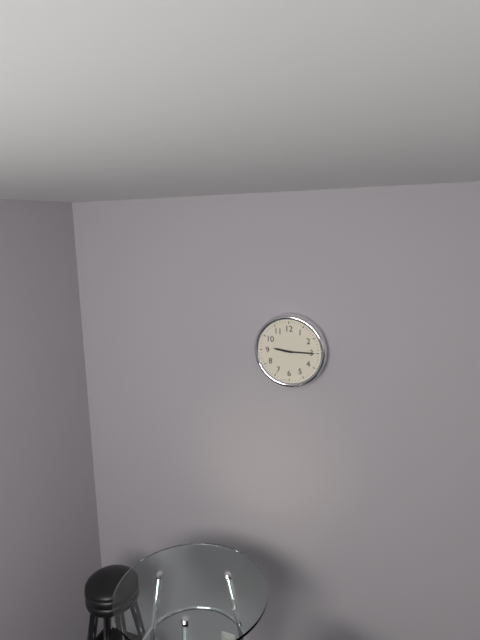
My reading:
9:15
